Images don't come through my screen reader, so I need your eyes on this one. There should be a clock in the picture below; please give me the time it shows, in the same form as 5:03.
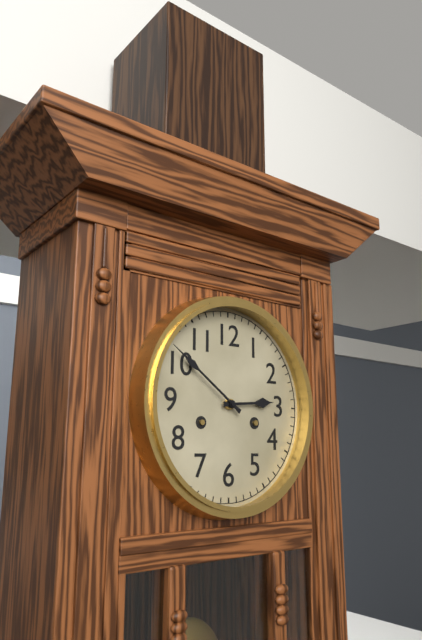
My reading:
2:51
